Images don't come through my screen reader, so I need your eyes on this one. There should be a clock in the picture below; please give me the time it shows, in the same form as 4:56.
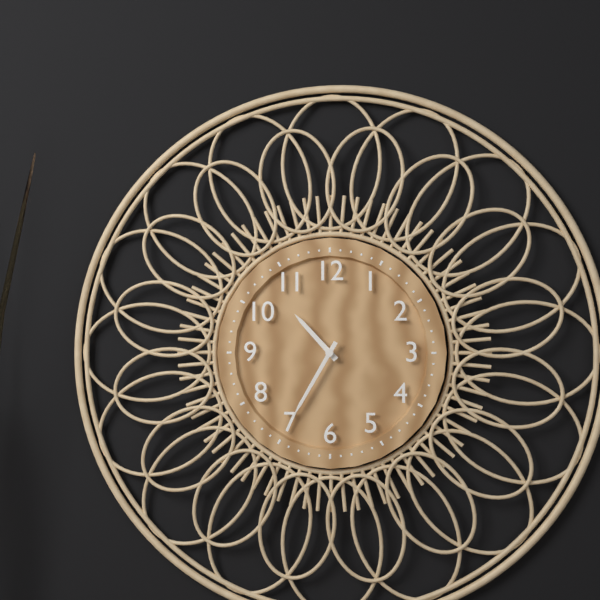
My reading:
10:35
